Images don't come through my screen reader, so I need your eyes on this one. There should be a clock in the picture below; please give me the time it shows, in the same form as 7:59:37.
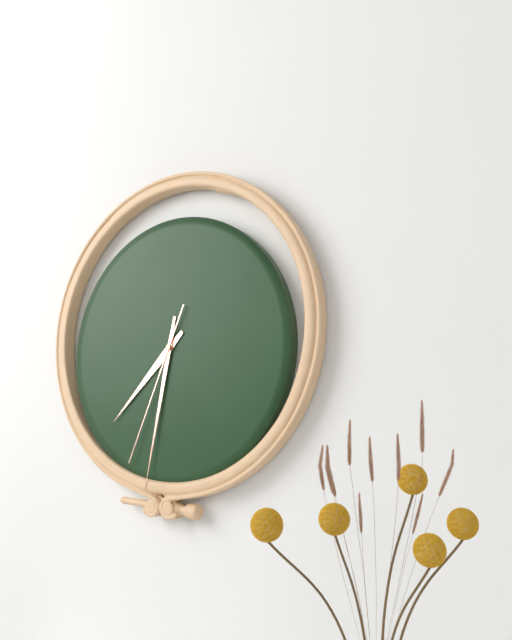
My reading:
7:32:34
